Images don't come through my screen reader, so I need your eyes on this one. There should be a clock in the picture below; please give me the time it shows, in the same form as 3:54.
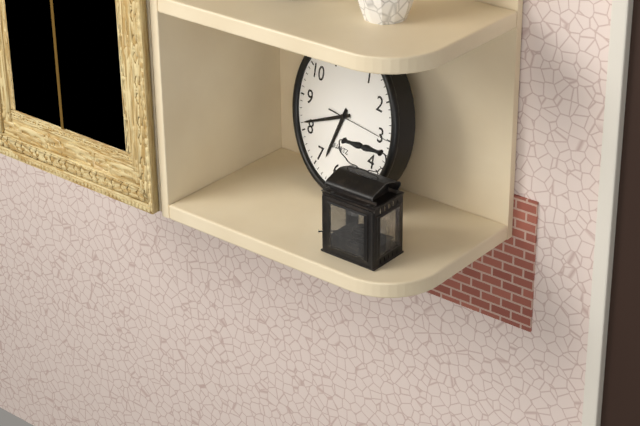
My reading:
6:41
